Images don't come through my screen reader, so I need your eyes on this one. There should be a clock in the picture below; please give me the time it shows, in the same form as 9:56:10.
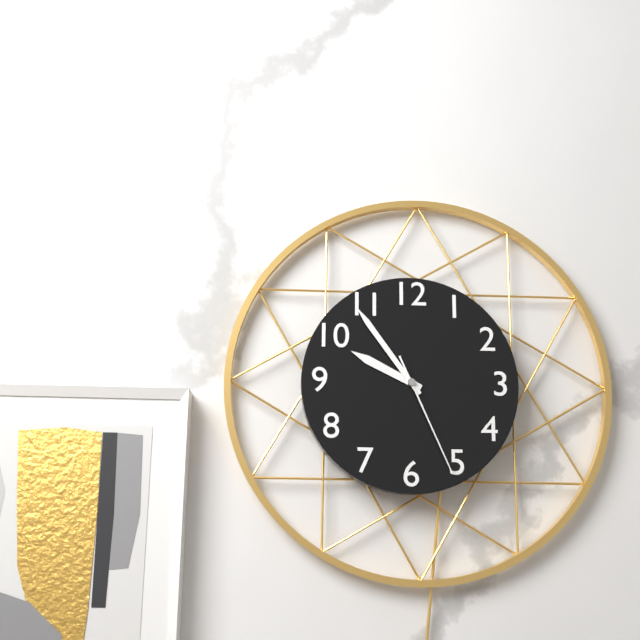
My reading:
9:54:26
